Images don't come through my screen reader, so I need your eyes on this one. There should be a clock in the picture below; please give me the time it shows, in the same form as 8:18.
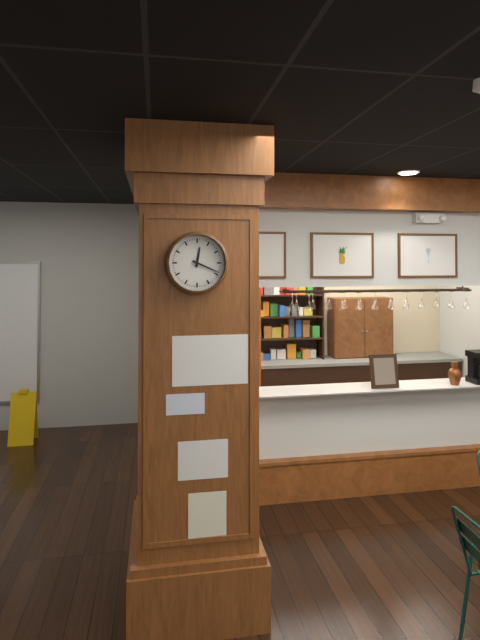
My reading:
12:19
